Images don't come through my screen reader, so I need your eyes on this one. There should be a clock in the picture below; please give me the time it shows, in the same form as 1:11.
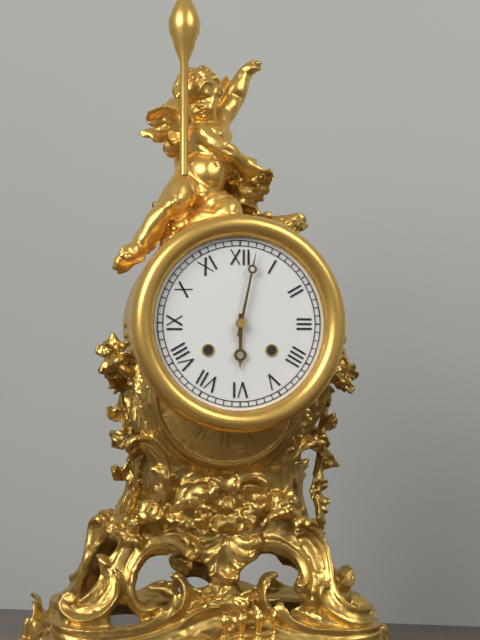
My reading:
6:02
